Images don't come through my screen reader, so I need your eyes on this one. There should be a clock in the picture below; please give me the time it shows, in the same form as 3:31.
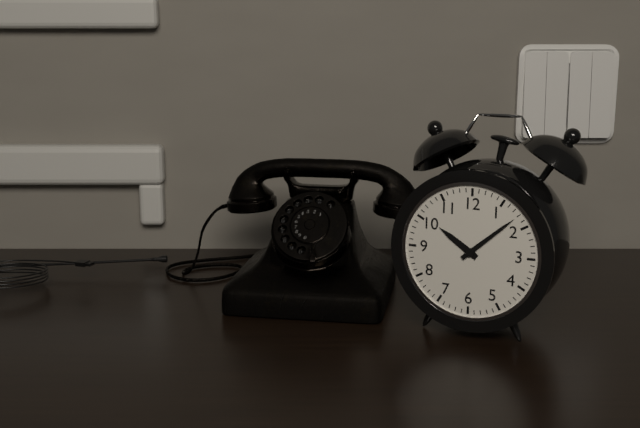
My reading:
10:08
